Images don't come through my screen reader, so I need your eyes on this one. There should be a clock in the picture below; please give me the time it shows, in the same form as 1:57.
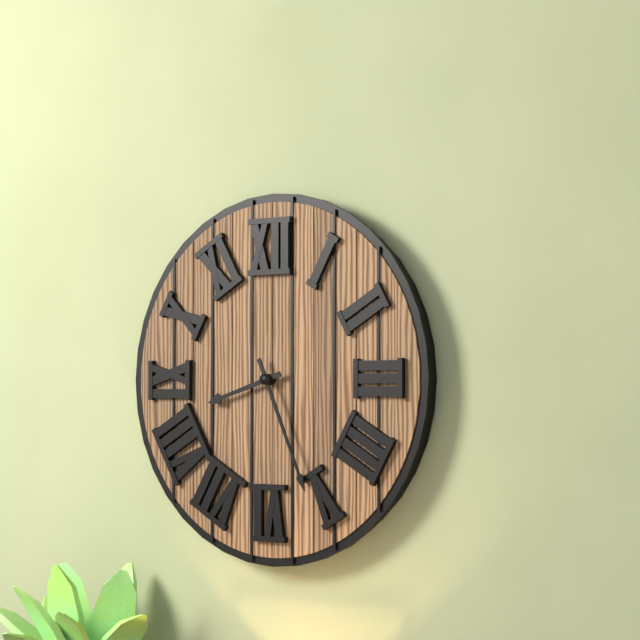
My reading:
8:26
